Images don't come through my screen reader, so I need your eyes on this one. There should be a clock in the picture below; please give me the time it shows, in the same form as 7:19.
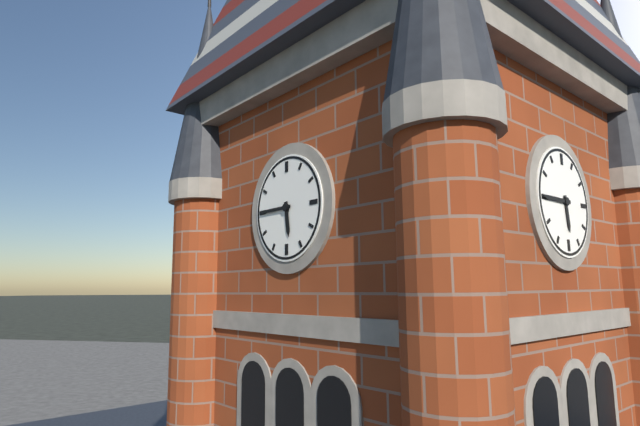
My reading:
5:45
